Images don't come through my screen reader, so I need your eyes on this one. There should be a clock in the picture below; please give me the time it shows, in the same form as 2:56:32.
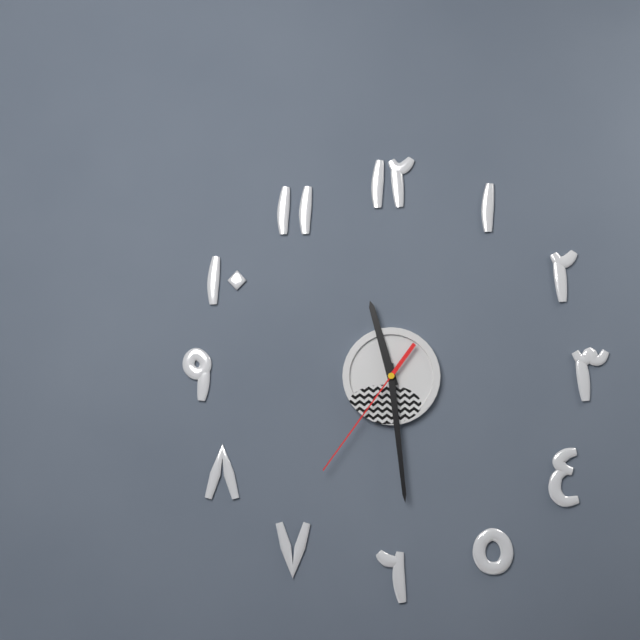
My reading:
11:29:36
